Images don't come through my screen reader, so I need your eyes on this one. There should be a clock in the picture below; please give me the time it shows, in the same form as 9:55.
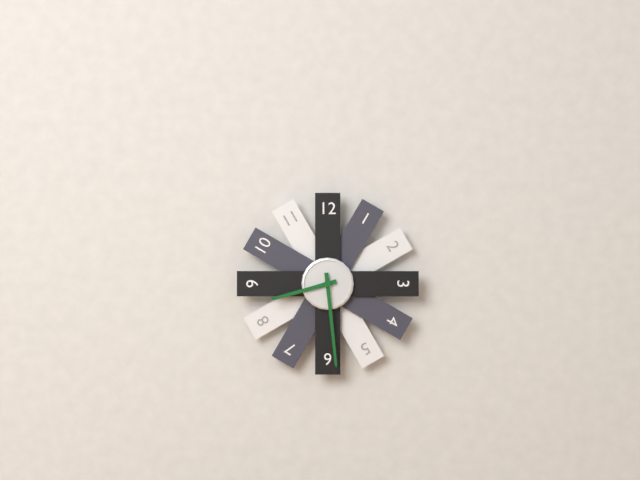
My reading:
8:29
